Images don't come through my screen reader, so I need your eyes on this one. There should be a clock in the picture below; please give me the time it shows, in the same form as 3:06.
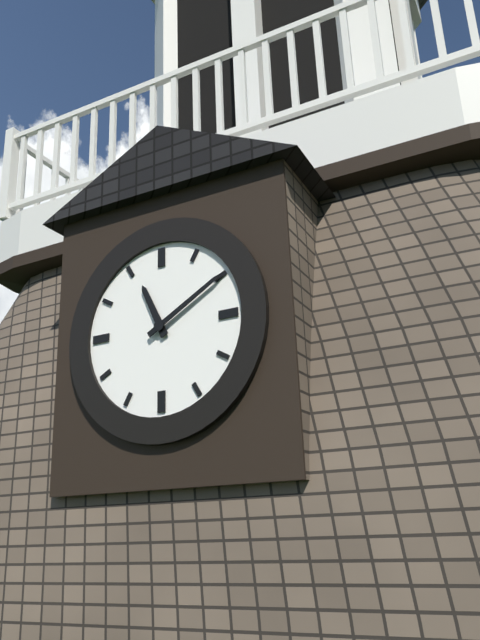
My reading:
11:10
